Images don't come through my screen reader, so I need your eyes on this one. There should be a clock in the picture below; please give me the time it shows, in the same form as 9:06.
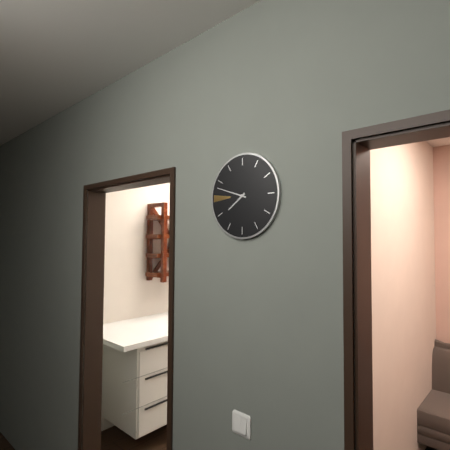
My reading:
7:48
